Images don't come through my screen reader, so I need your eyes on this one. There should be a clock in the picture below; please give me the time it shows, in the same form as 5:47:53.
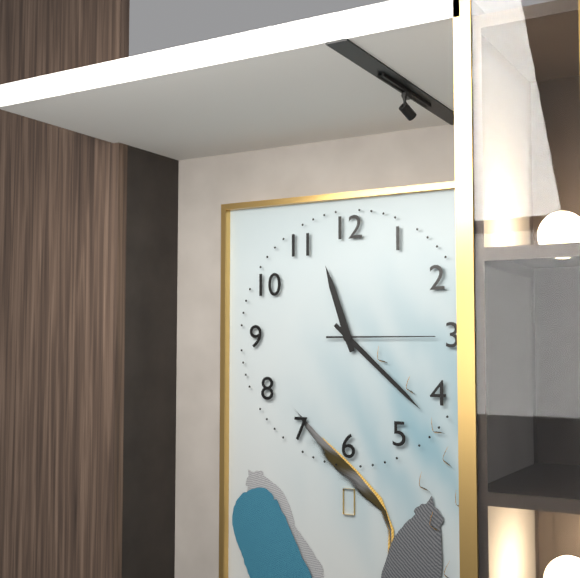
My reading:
11:22:15
